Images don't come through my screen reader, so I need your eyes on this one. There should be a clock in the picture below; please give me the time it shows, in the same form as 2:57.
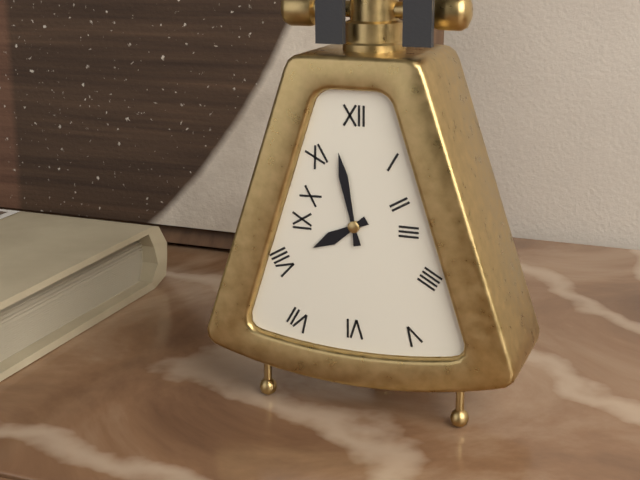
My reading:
7:58
